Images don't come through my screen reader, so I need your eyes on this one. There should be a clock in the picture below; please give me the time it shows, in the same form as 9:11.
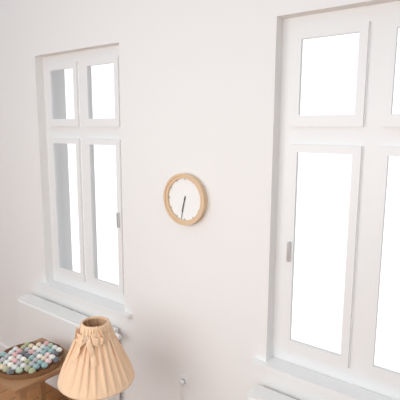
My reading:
6:32
